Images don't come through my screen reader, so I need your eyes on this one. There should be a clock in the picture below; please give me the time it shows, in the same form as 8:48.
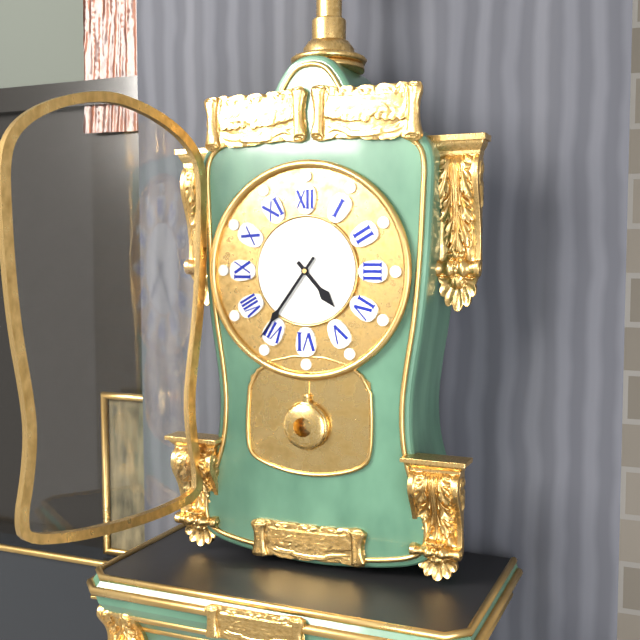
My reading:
4:36
